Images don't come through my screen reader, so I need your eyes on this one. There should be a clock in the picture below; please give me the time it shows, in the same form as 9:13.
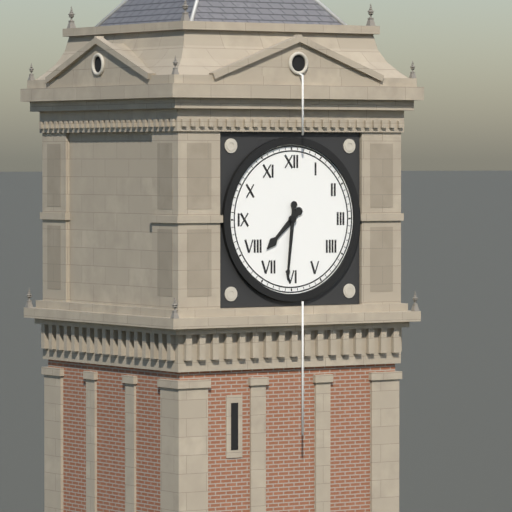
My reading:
7:31
